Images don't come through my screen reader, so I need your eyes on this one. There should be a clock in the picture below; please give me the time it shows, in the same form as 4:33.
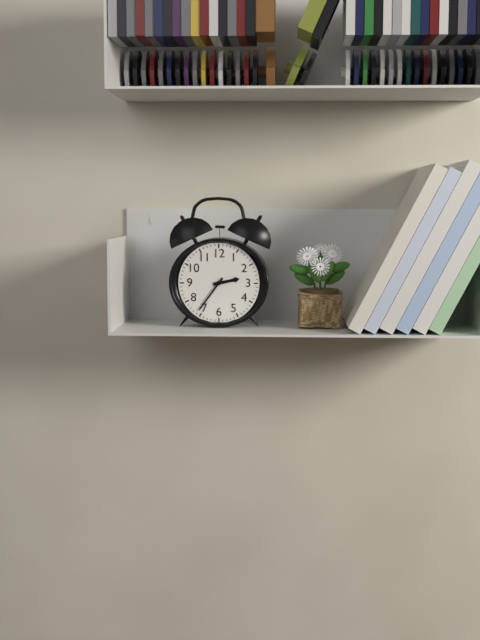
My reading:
2:36
